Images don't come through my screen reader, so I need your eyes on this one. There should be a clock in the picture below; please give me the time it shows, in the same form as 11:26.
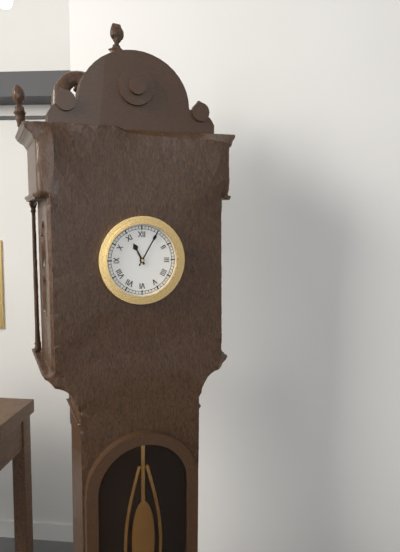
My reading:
11:05
